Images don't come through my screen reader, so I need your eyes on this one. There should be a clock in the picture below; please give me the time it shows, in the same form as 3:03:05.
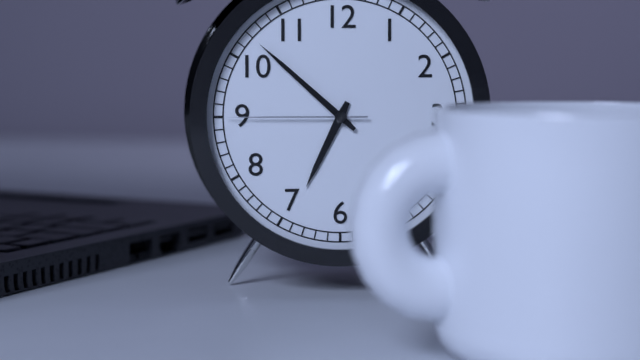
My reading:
6:52:45
